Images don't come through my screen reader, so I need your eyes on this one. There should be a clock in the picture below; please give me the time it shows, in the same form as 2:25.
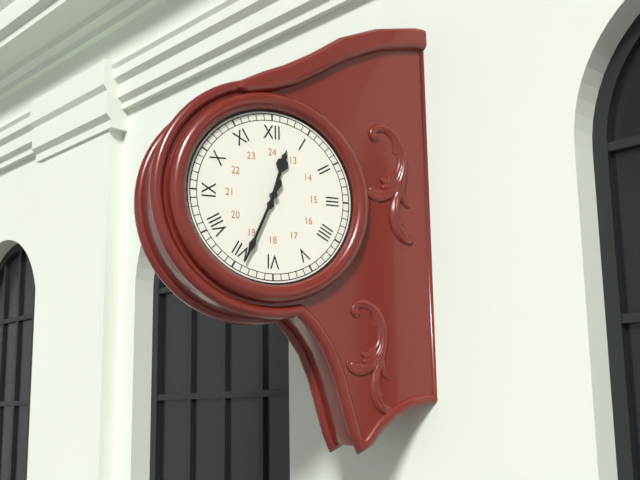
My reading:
12:34
